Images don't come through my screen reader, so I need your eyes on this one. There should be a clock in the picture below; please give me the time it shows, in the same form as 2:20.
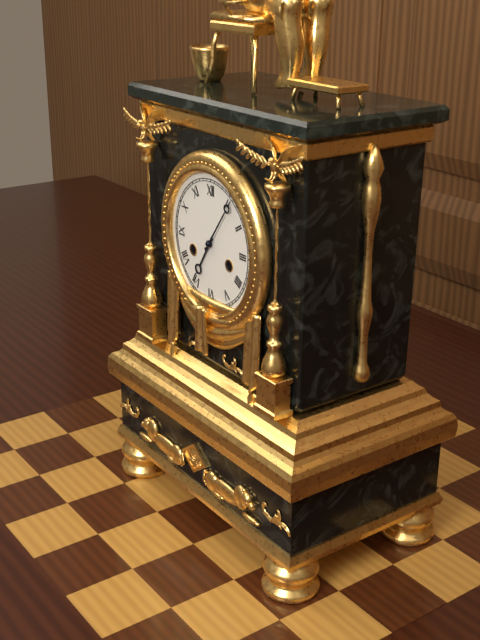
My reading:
7:06
